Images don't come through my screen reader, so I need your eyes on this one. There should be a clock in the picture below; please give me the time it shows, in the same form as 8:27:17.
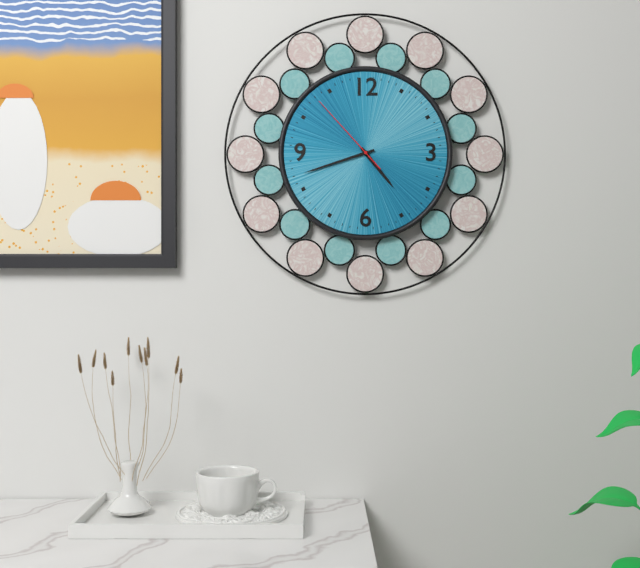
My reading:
4:42:53
